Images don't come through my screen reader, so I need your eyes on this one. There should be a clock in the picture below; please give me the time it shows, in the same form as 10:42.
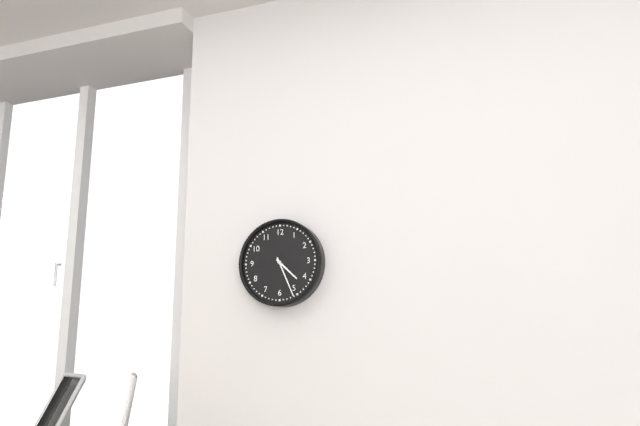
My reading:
4:26
